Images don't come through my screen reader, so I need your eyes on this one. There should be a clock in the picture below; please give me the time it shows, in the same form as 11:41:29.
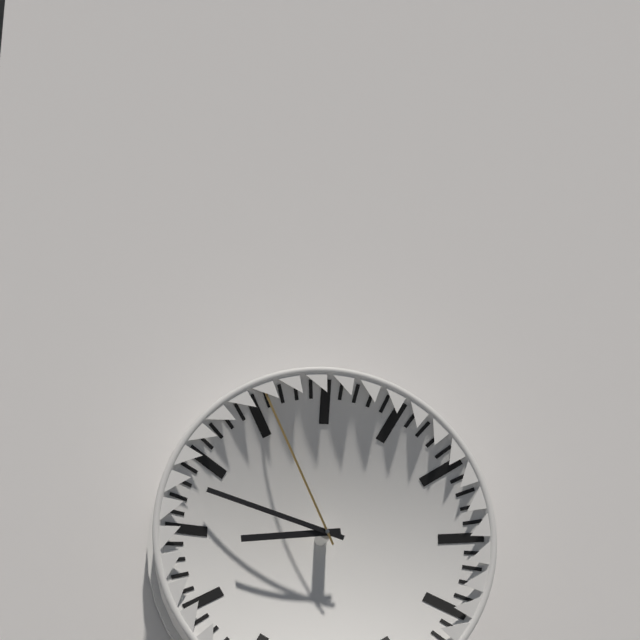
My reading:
8:48:56
